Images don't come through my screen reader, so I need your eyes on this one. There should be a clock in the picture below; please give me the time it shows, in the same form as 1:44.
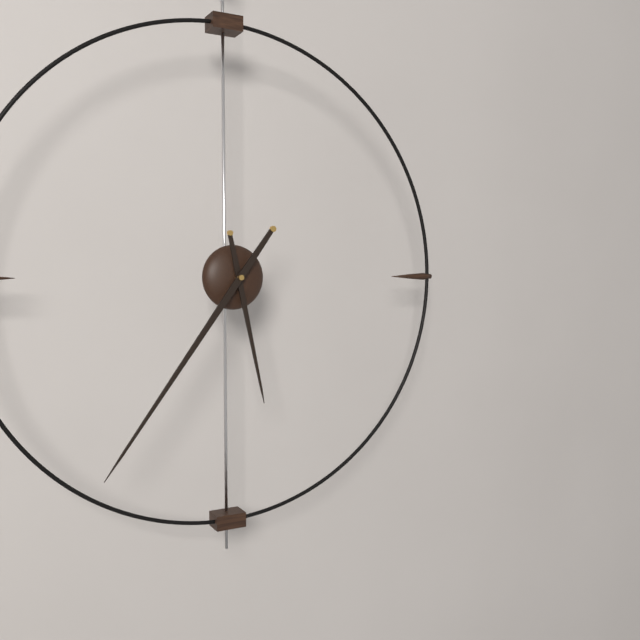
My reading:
5:36
